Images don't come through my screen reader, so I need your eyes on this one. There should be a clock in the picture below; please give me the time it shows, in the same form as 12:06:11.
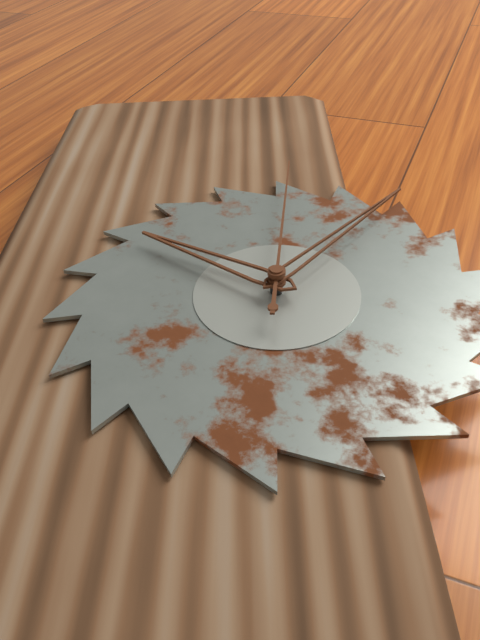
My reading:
10:07:01
